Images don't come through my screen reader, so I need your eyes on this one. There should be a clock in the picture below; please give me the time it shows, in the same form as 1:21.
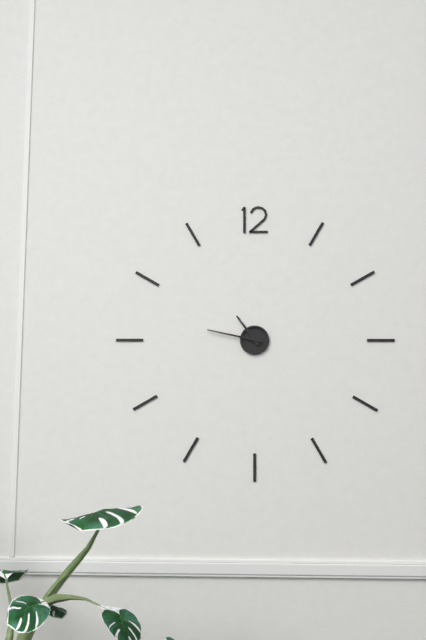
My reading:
10:47
